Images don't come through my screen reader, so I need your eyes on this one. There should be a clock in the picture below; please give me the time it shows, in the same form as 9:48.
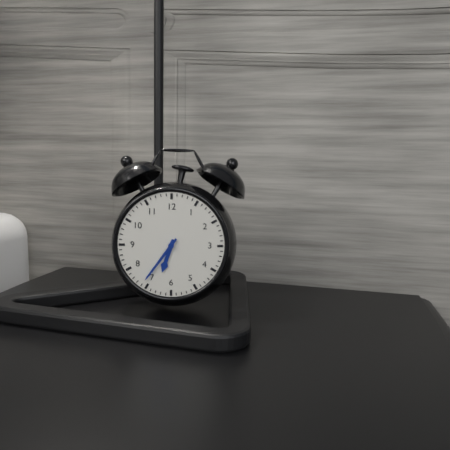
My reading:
6:36
